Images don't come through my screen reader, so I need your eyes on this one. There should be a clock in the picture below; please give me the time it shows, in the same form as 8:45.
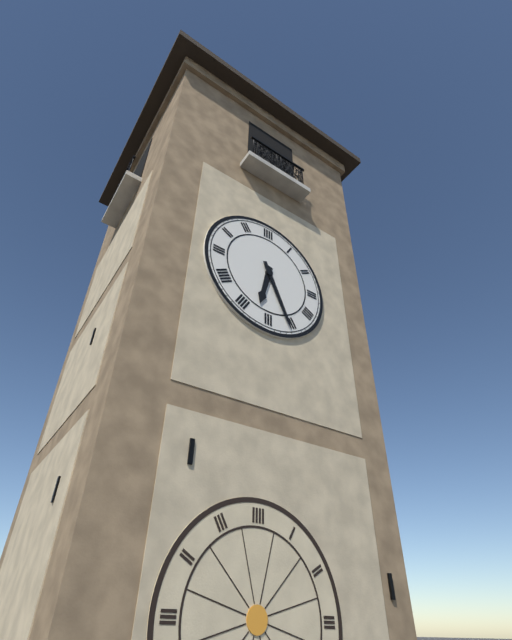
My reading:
6:26
